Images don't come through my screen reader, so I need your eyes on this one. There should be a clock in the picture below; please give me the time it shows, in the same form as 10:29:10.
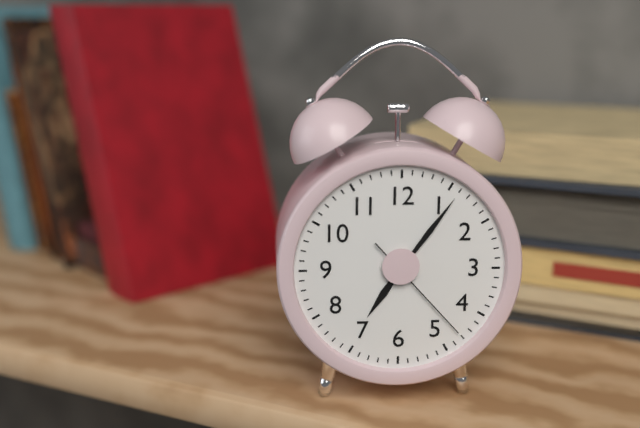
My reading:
7:06:23
